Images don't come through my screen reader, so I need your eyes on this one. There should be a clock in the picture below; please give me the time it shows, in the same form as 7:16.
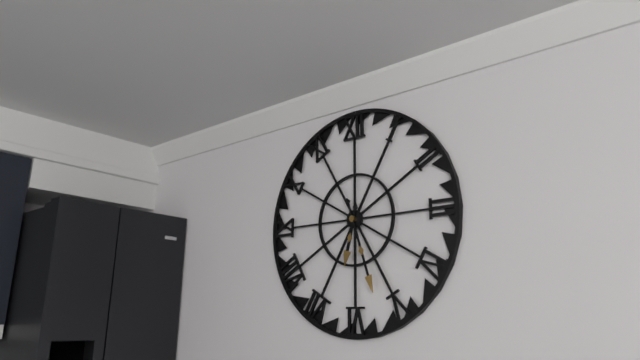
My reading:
6:27
